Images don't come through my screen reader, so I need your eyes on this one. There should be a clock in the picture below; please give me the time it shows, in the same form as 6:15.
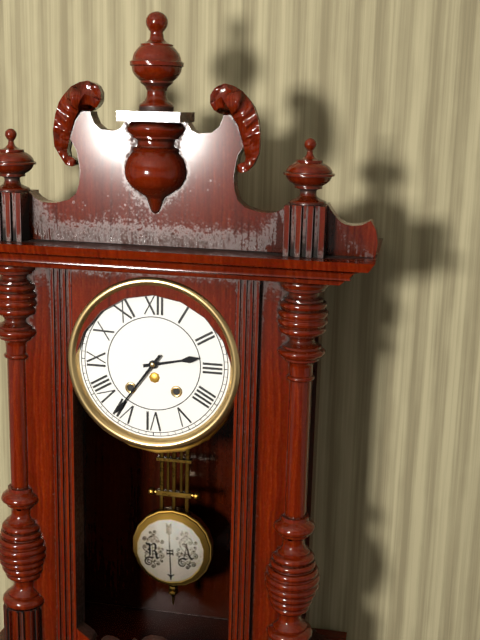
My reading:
2:36
